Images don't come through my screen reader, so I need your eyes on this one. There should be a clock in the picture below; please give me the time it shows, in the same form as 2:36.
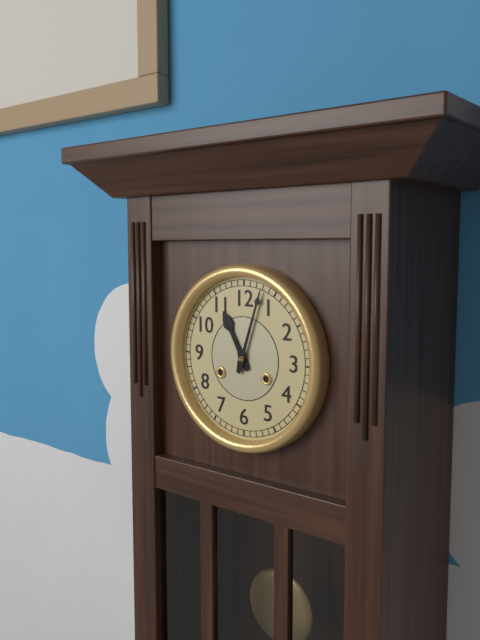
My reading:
11:03
